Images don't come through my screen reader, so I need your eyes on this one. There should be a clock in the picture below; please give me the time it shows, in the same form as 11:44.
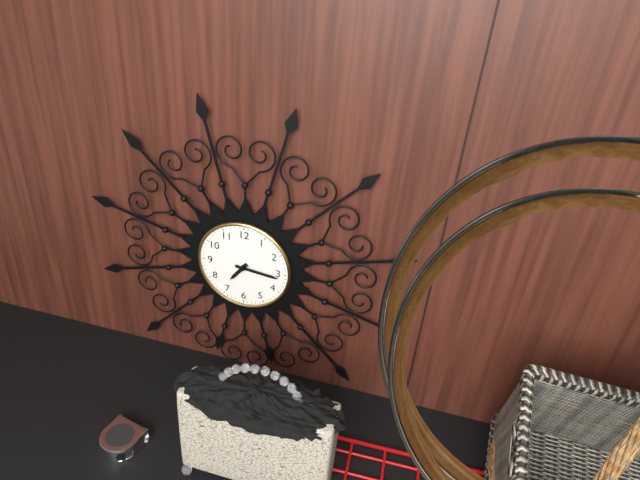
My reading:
7:16
